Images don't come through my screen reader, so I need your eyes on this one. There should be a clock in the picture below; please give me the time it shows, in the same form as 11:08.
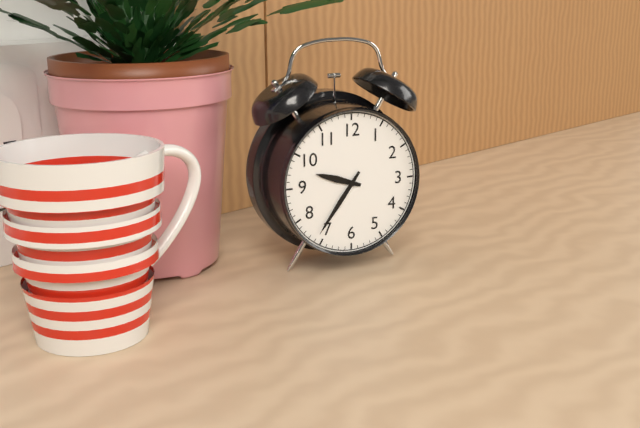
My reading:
9:36
